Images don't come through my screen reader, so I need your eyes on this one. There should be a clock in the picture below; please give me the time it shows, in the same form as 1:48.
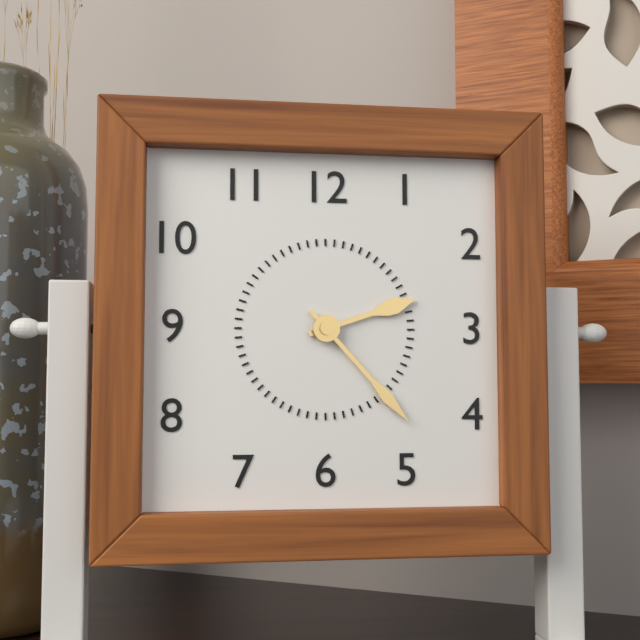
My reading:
2:23
